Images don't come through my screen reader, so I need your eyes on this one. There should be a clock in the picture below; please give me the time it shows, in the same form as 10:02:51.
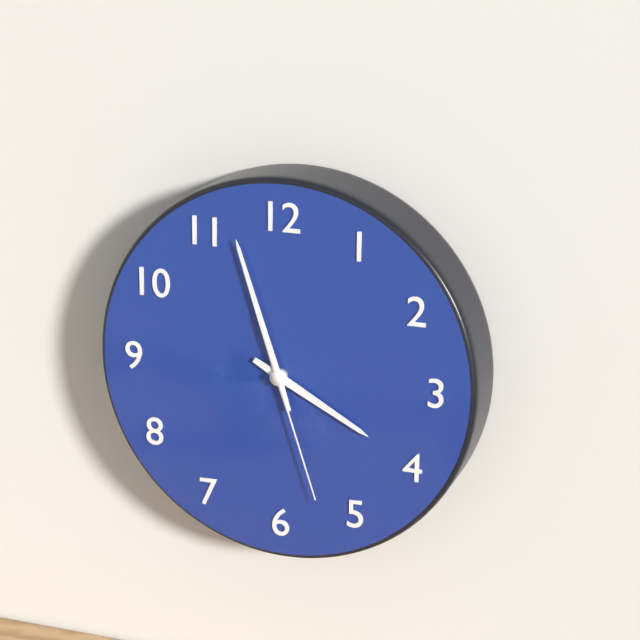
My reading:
3:57:27
